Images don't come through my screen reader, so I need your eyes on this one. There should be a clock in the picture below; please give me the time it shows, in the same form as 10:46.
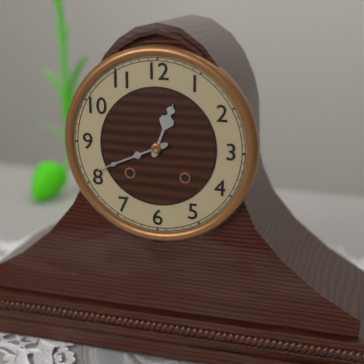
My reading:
12:41
